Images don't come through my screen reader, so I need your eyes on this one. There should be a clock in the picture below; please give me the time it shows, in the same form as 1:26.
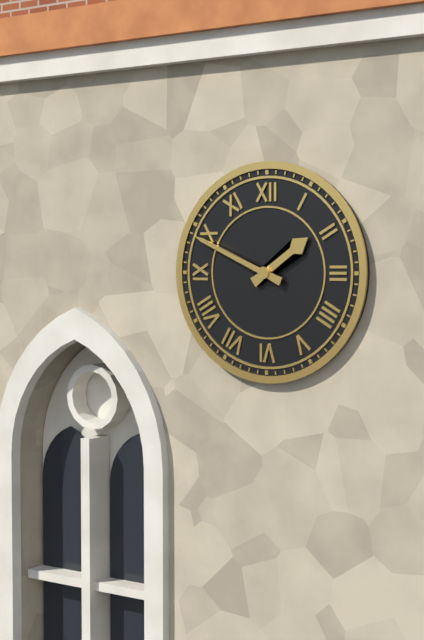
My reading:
1:49
